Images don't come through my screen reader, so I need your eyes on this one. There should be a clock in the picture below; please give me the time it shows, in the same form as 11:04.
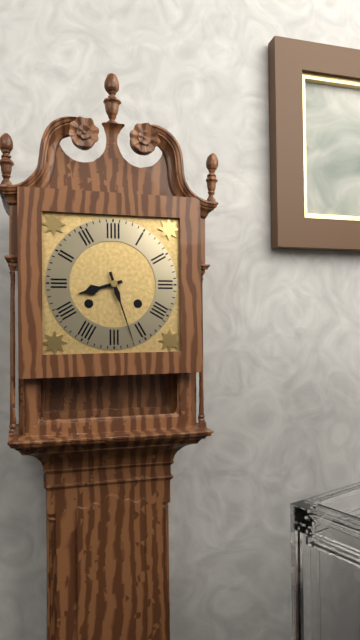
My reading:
8:27
